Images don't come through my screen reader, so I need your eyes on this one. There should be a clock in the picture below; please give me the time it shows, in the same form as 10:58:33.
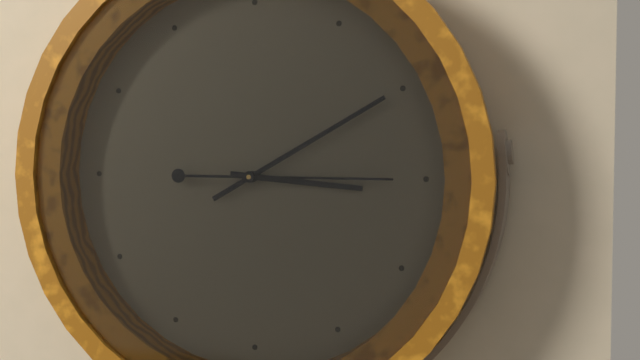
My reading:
3:10:15
